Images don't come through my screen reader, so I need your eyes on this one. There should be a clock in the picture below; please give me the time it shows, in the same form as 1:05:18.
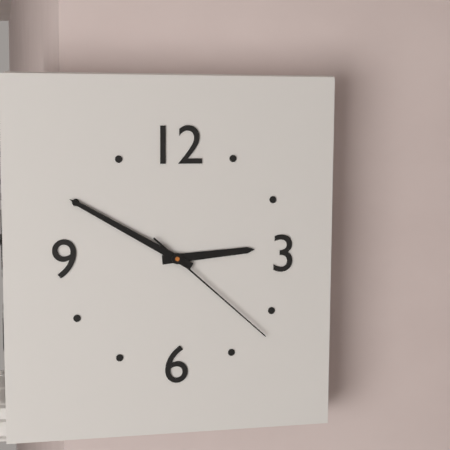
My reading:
2:50:22
